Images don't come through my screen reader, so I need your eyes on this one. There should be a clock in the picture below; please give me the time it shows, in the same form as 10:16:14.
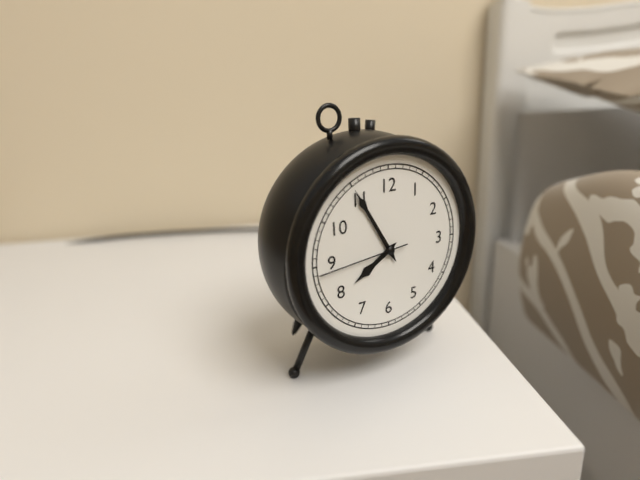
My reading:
7:55:44
